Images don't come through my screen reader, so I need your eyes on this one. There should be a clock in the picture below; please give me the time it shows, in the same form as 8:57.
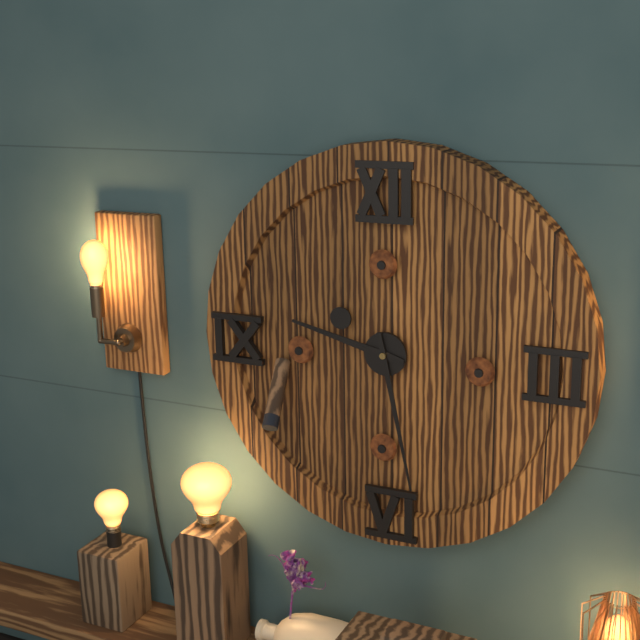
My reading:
9:28
